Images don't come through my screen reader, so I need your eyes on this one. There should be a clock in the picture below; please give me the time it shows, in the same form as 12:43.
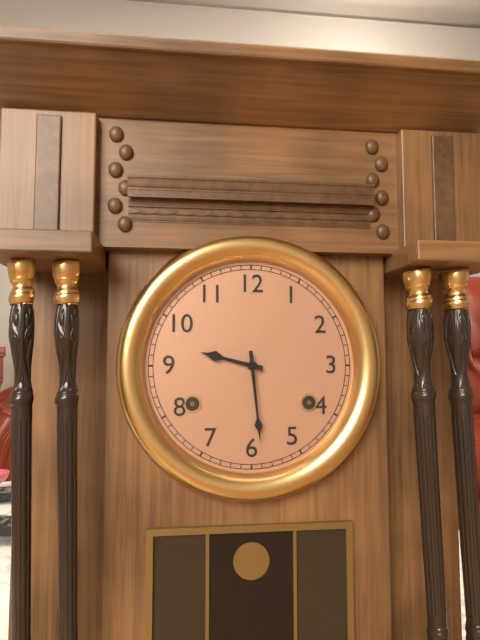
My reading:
9:29
